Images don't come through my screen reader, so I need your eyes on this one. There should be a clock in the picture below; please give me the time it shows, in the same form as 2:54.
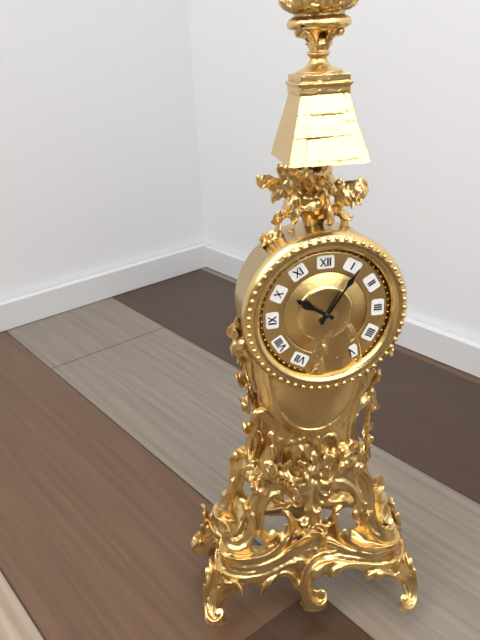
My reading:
10:06
